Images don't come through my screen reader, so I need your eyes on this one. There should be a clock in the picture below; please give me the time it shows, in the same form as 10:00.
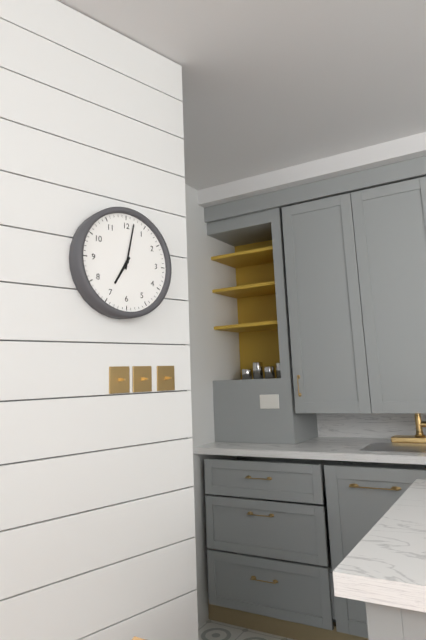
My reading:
7:02
